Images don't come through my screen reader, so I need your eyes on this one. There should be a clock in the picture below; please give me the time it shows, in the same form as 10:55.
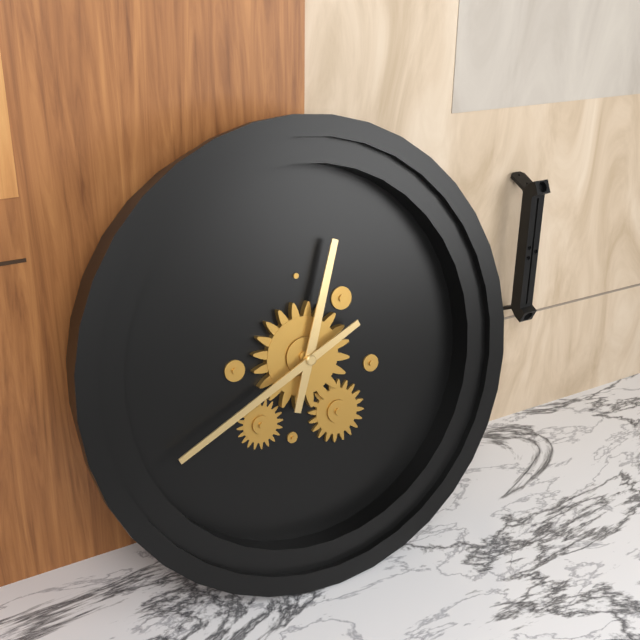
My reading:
12:41
